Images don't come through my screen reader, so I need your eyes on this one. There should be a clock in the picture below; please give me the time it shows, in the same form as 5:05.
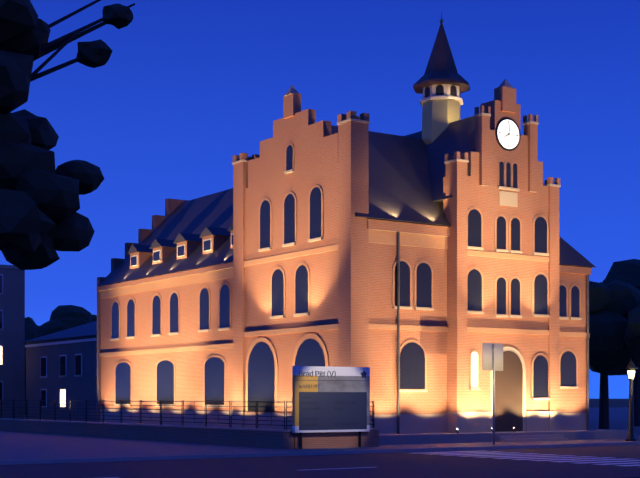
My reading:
8:01
